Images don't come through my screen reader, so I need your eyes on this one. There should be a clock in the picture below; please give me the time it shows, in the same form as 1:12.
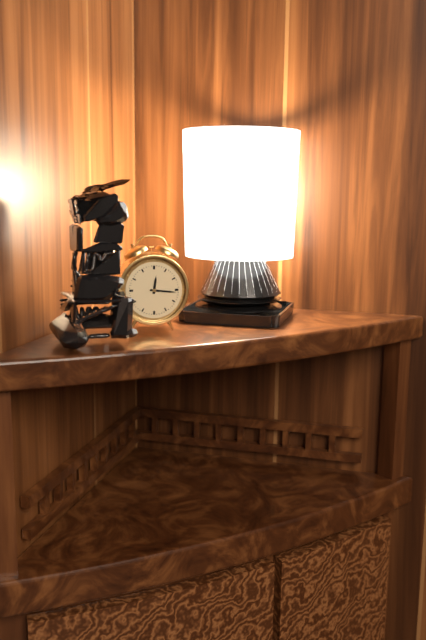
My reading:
12:16
